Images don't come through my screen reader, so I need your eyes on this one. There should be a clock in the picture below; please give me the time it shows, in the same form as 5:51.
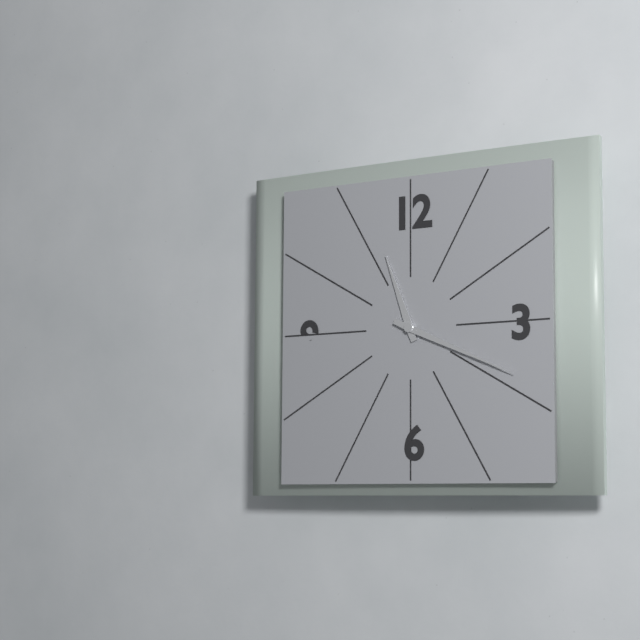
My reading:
11:19
